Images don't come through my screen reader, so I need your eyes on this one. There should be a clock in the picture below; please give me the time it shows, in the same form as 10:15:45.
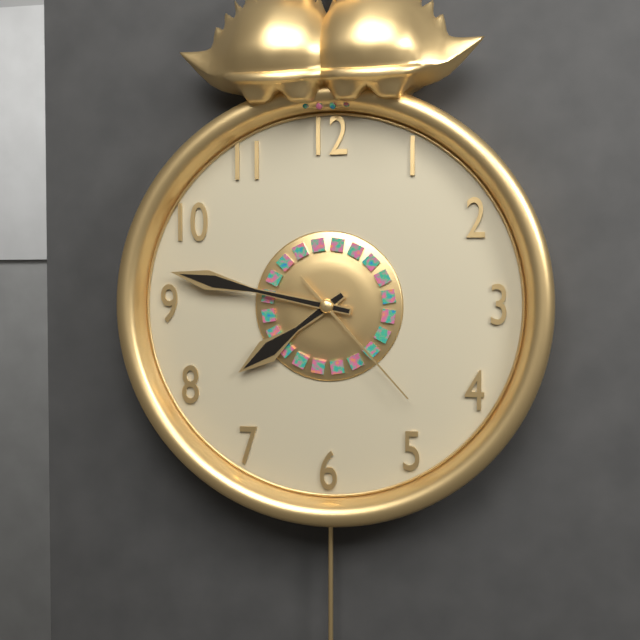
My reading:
7:47:23
